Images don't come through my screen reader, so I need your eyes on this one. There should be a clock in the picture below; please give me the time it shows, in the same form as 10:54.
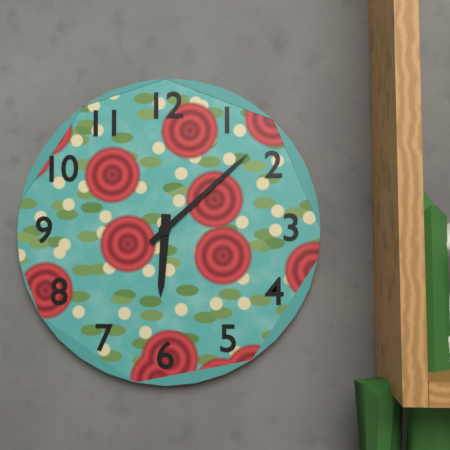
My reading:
6:08
